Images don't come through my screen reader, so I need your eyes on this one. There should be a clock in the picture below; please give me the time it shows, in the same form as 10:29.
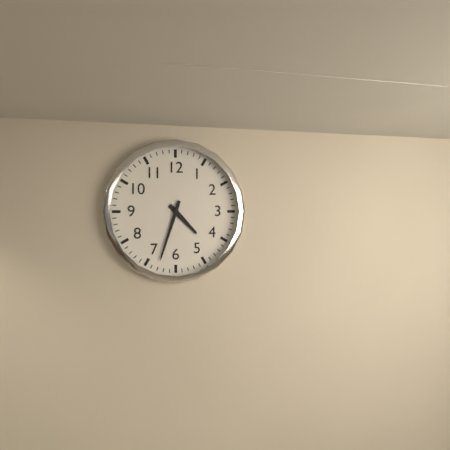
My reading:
4:33
